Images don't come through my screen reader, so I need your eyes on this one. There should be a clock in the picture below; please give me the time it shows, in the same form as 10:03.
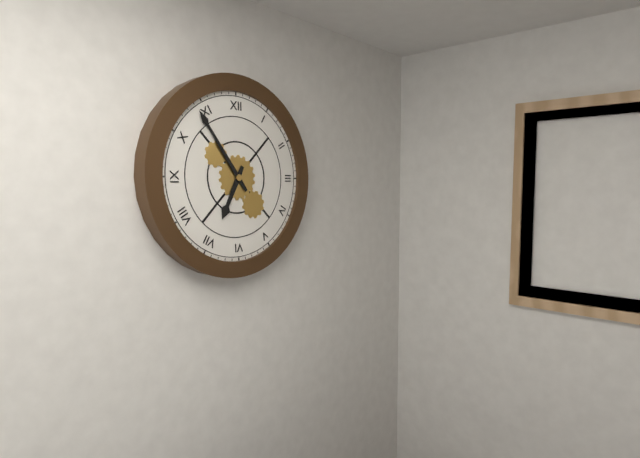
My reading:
6:54
